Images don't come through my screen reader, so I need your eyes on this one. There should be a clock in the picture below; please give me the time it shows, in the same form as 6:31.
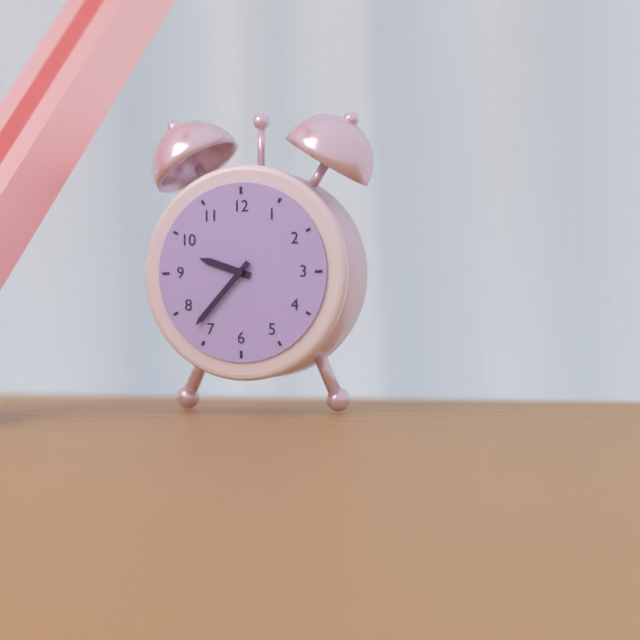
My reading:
9:37
